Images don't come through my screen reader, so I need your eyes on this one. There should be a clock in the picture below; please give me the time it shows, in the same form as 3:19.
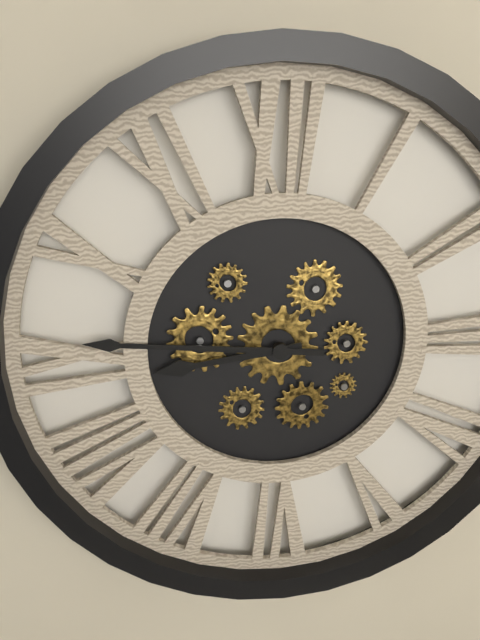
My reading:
8:46
